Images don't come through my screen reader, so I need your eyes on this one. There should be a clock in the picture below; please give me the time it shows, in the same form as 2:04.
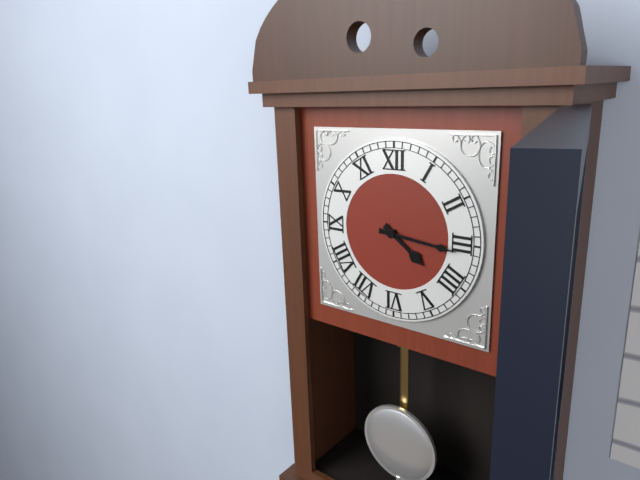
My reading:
4:16
